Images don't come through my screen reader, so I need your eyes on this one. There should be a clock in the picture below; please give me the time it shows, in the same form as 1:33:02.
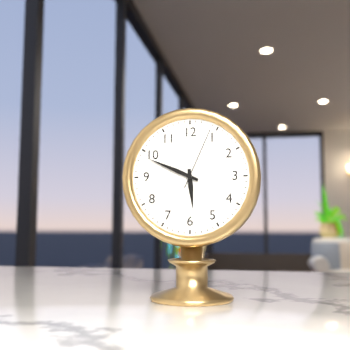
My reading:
5:49:04
